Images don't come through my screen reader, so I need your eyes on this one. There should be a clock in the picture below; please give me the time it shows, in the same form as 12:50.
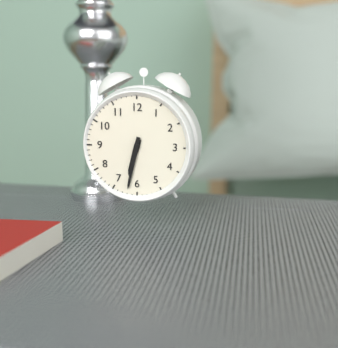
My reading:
6:32
